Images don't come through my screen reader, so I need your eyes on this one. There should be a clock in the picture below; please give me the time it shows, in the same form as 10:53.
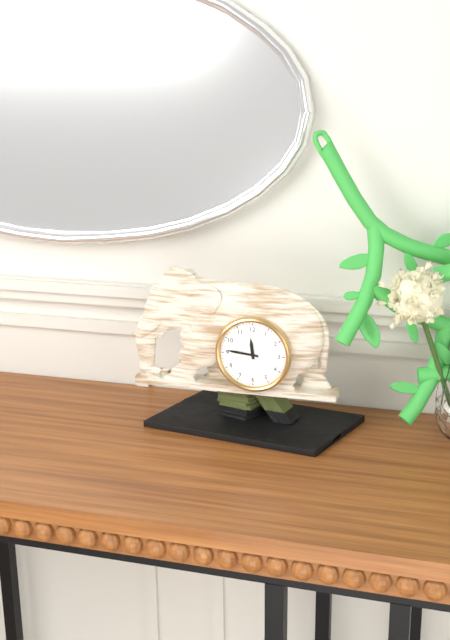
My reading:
11:46
